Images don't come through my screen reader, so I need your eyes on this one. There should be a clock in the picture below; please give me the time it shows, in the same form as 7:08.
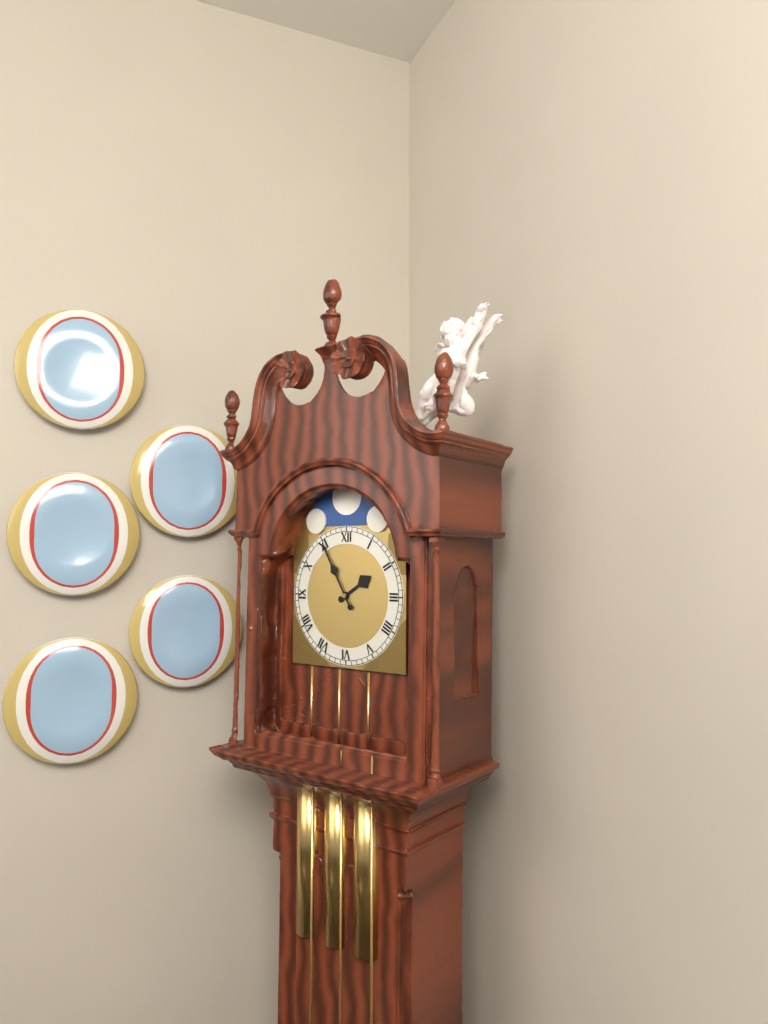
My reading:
1:55
